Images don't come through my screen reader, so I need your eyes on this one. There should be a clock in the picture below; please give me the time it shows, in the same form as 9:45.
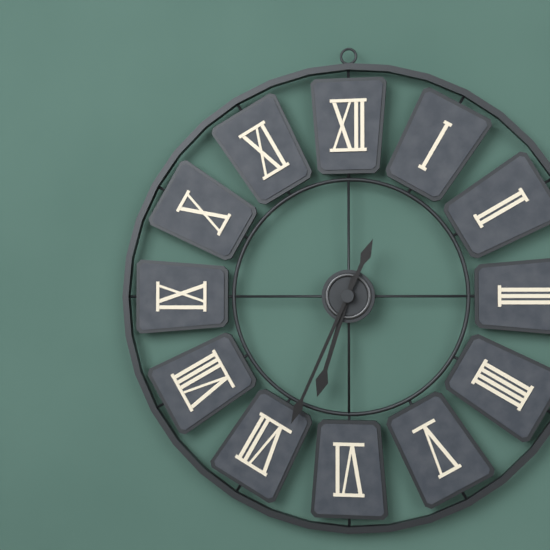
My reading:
6:34
